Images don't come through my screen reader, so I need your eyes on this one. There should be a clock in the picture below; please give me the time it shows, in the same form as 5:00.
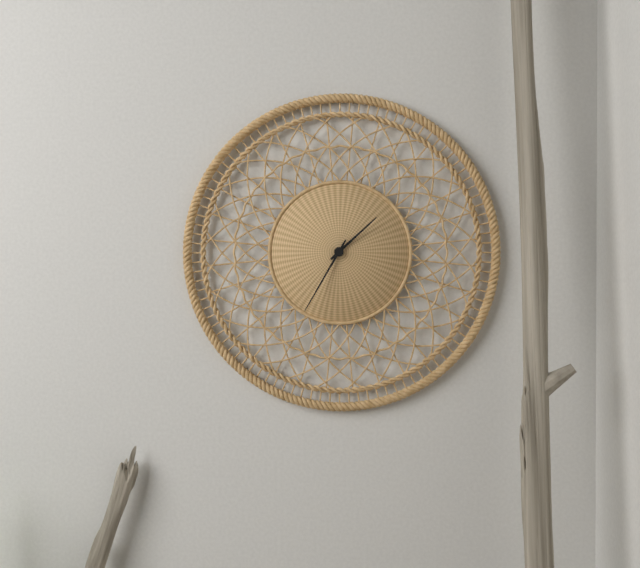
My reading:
1:35
